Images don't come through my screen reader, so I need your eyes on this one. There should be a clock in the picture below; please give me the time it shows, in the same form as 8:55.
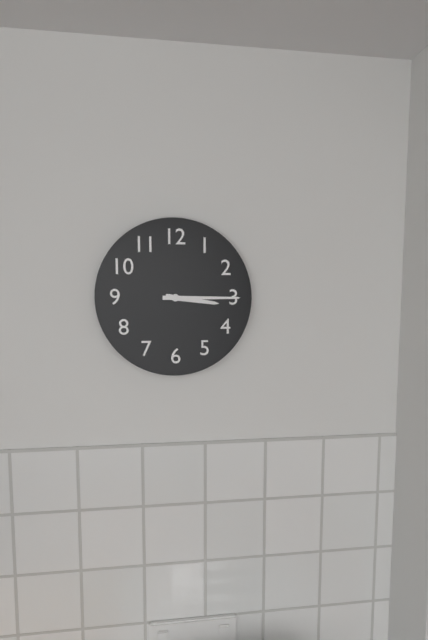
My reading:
3:15
